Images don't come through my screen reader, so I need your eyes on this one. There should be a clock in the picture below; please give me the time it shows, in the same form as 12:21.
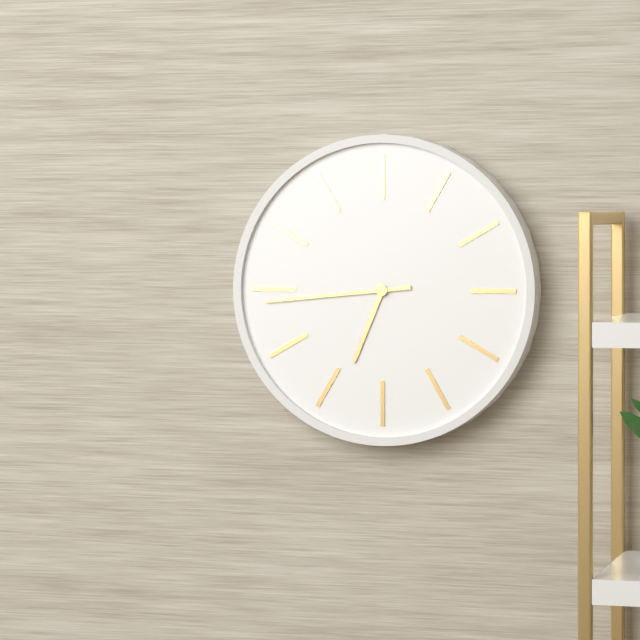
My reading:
6:44
